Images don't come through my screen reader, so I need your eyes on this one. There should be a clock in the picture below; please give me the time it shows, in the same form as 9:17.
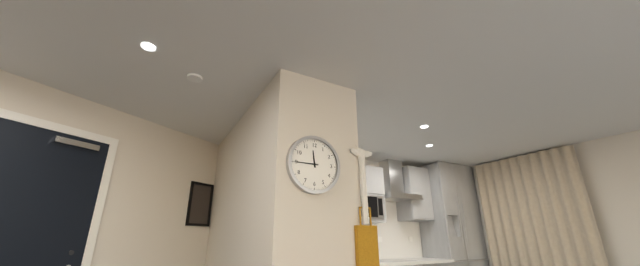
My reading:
11:45
